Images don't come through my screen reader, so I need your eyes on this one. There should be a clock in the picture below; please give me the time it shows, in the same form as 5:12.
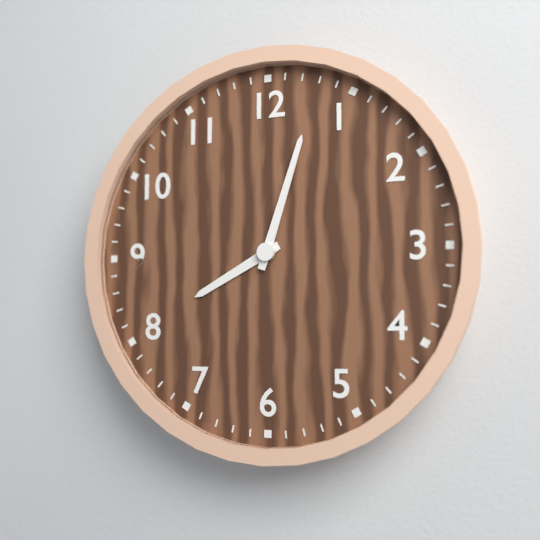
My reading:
8:03
